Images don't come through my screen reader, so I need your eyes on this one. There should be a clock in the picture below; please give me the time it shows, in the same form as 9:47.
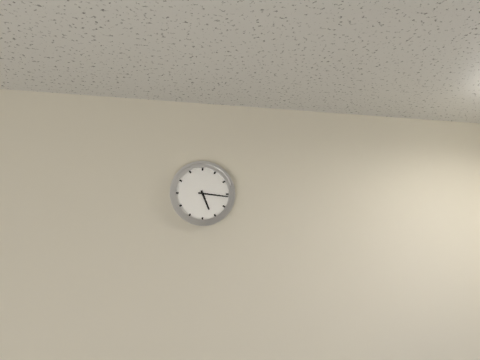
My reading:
5:16
